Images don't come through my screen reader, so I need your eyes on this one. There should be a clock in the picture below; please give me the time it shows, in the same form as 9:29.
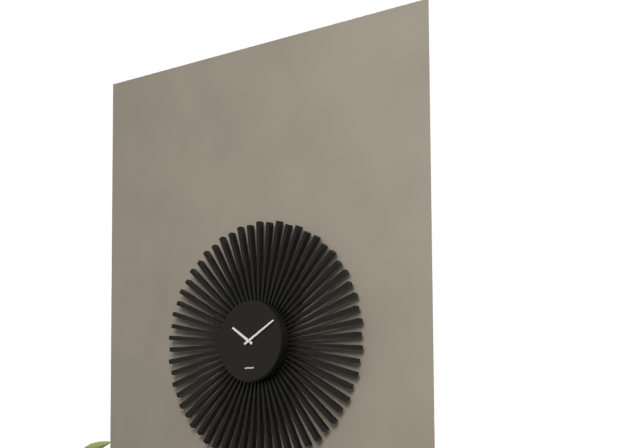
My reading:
10:10
